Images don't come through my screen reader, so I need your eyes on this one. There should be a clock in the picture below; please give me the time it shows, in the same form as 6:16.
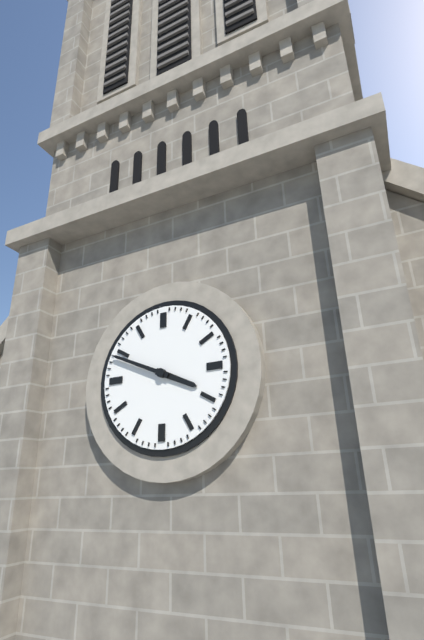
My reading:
3:49
